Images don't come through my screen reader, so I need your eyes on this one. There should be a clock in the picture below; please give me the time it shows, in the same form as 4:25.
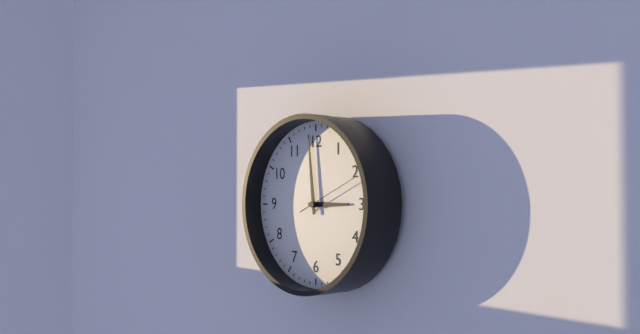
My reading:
2:59
